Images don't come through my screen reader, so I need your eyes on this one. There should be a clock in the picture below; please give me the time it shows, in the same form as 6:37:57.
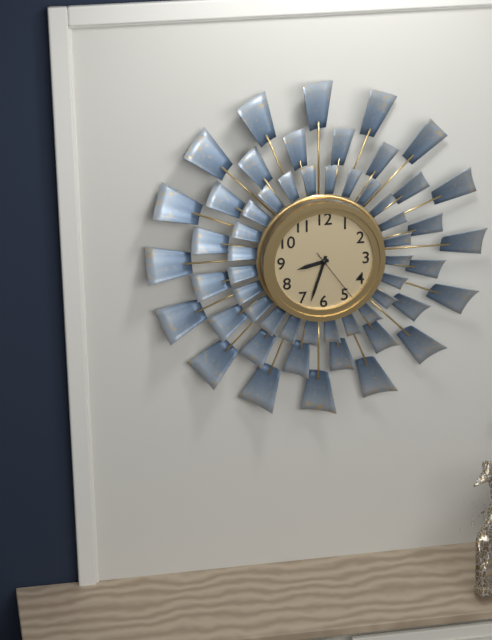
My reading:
8:33:24
